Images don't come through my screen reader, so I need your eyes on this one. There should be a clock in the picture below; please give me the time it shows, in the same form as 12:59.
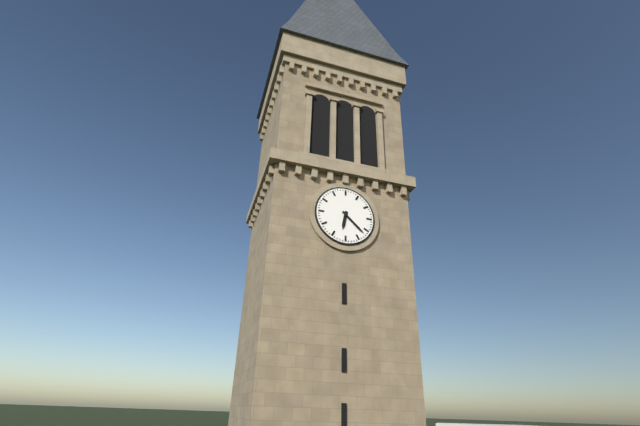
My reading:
6:22
